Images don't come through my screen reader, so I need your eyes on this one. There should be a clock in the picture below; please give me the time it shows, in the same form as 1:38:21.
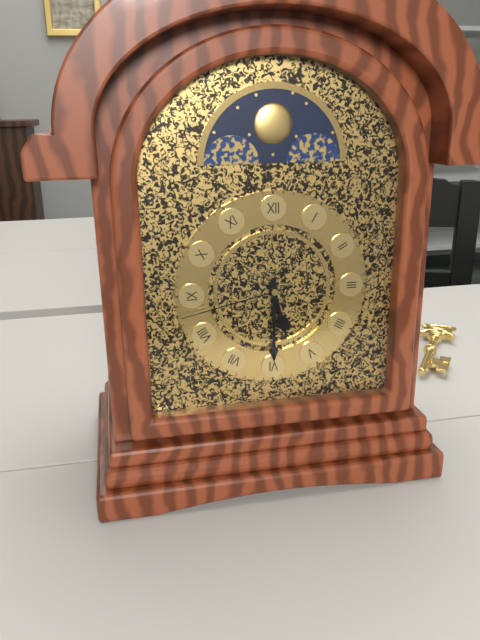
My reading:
5:30:43
